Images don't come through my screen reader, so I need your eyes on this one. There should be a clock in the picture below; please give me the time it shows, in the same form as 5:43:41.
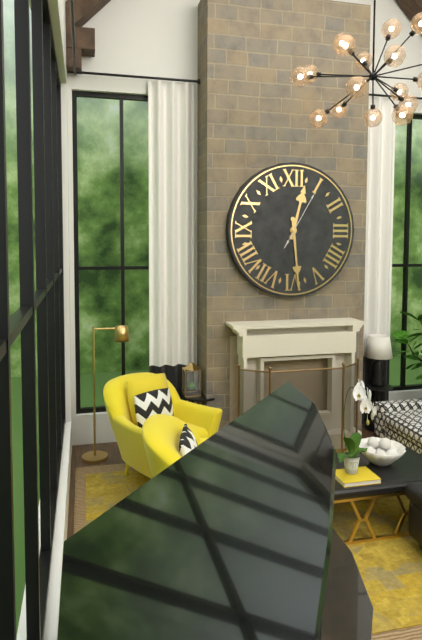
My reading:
12:29:05
